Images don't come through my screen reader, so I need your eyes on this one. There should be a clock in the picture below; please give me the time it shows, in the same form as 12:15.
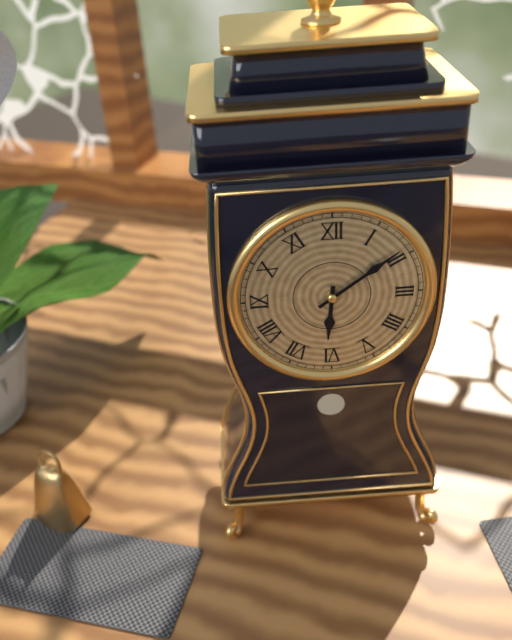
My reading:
6:09
